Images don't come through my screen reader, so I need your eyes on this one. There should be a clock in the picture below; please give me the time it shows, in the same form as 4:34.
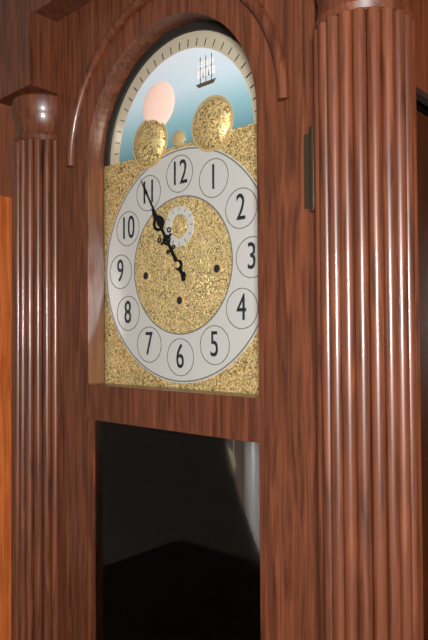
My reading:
10:55
